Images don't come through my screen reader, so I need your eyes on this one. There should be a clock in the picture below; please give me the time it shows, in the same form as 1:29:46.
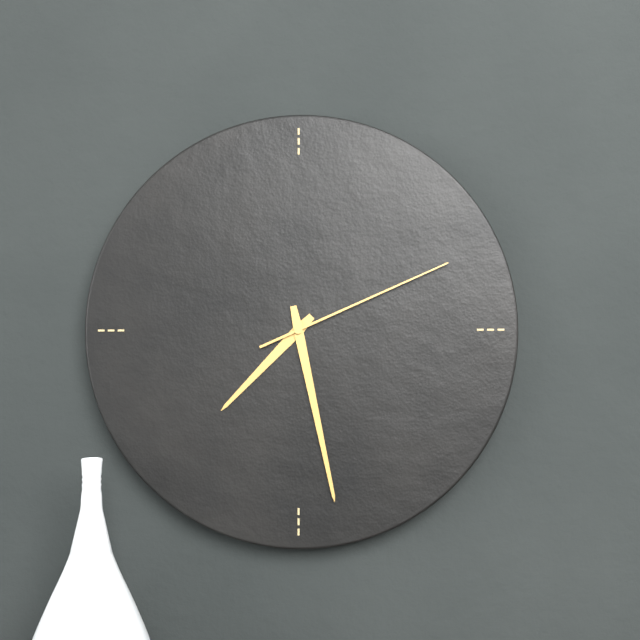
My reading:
7:28:11
